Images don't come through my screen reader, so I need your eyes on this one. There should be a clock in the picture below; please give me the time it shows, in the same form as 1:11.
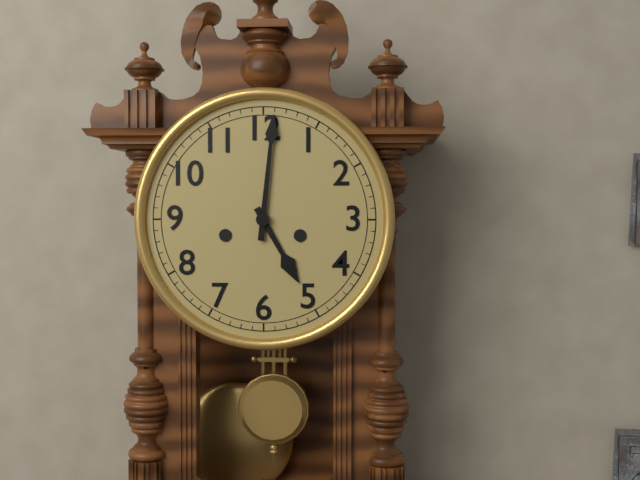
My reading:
5:01
